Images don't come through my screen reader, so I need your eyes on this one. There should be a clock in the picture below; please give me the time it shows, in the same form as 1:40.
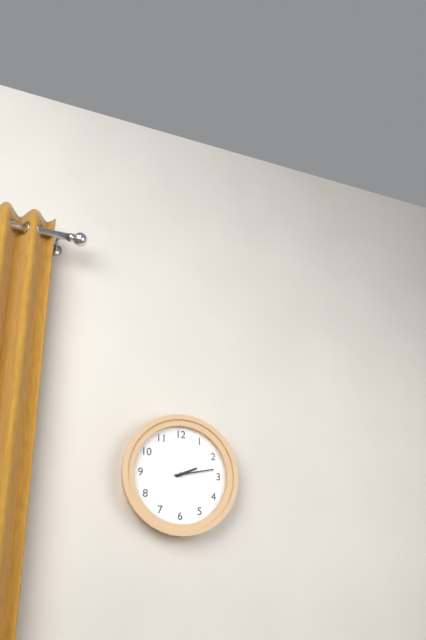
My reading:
2:13
